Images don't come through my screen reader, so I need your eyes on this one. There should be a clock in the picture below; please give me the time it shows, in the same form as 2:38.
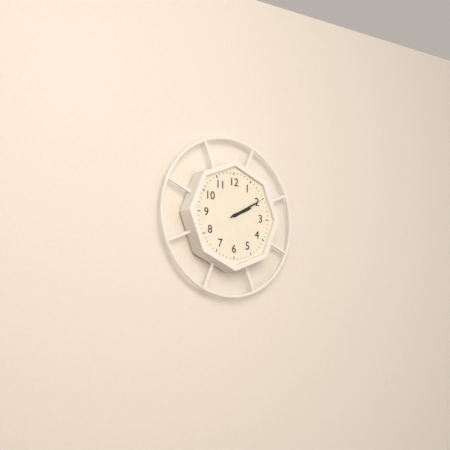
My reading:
2:10
